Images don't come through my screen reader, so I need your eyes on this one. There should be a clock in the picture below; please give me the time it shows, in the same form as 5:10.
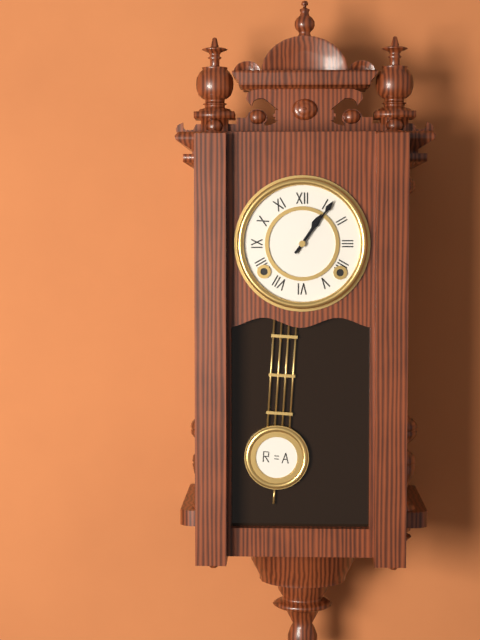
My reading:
1:06
